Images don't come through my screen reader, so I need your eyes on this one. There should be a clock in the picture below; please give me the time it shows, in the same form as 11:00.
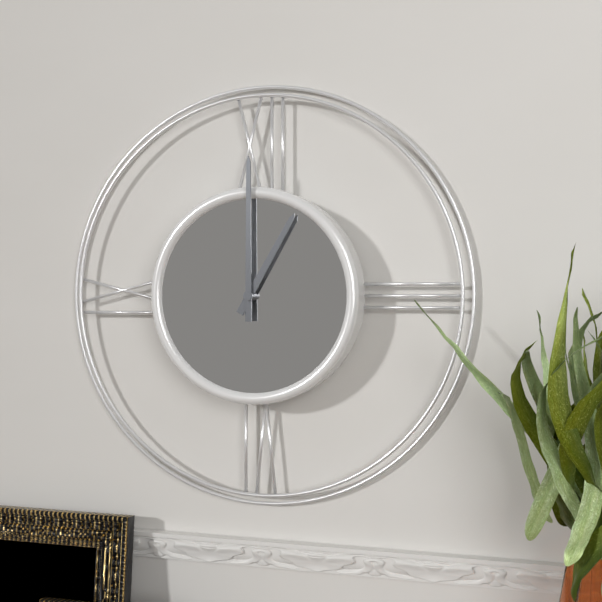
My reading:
1:00
